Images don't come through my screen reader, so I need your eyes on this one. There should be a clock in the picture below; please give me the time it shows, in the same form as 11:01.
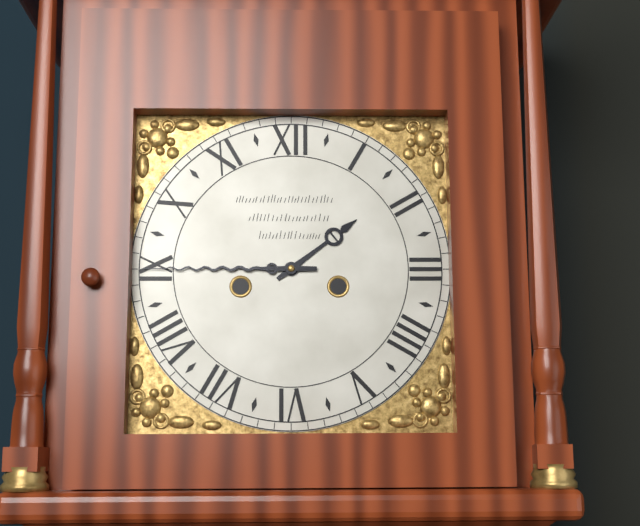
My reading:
1:45
